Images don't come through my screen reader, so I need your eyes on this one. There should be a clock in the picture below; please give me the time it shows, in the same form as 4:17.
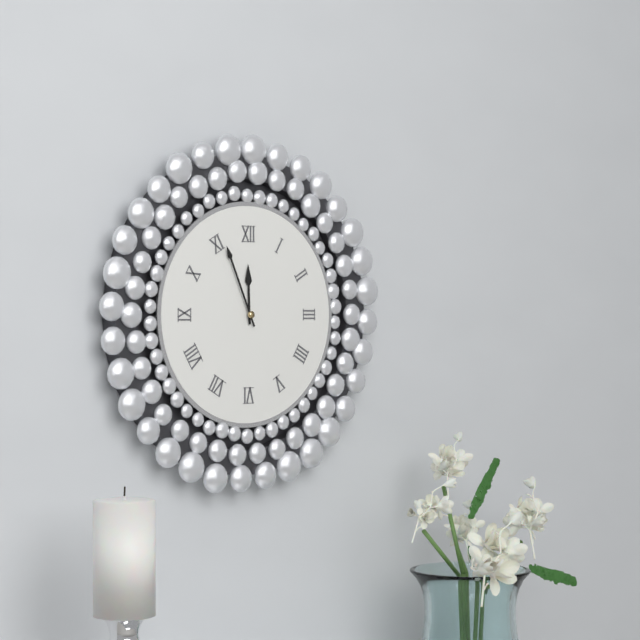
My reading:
11:56
